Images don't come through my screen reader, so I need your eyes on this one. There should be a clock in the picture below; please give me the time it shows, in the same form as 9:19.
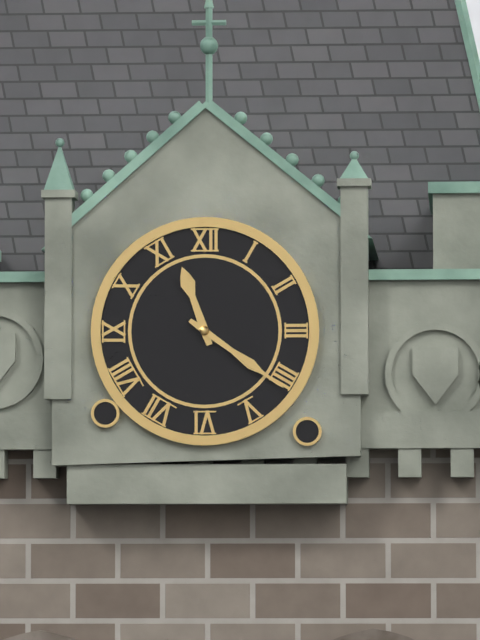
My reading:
11:21
